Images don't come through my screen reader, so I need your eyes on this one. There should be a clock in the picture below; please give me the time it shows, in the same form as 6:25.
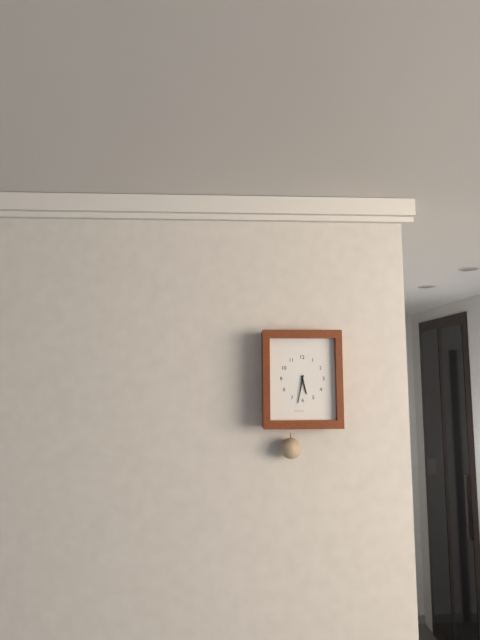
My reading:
5:32
